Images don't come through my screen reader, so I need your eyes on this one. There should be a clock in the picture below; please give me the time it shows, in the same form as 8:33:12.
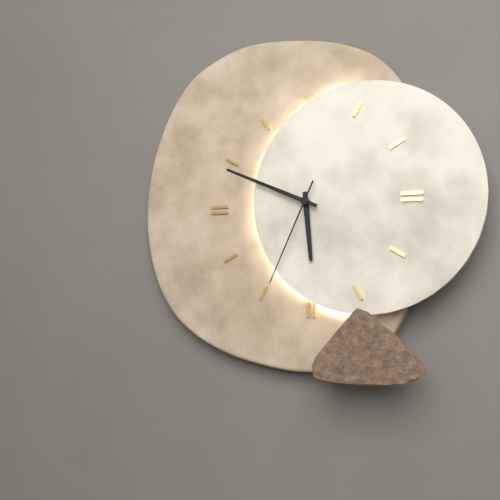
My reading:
5:49:34
